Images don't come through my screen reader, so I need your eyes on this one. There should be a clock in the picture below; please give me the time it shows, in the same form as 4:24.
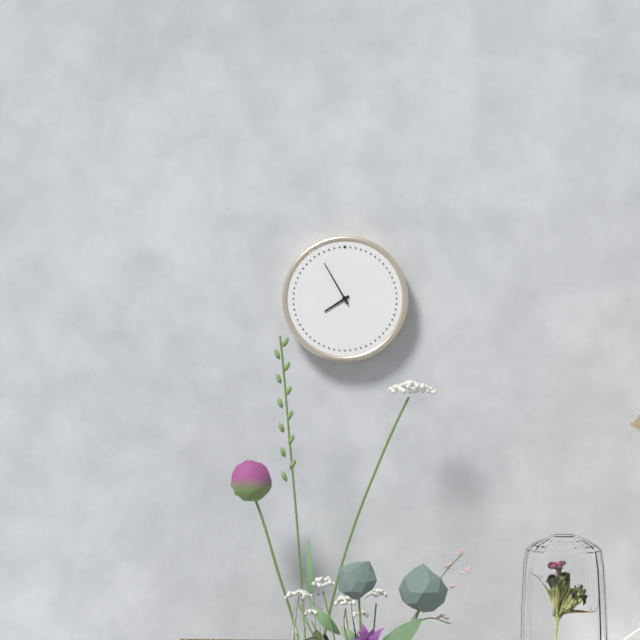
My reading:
7:55
